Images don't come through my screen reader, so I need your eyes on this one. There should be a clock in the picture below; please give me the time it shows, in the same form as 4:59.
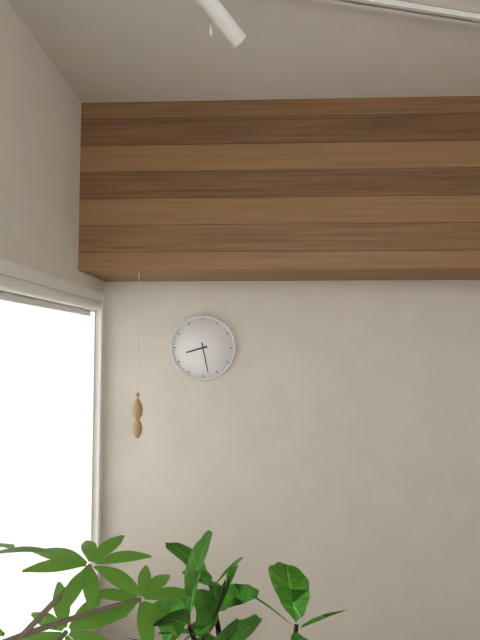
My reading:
8:28
